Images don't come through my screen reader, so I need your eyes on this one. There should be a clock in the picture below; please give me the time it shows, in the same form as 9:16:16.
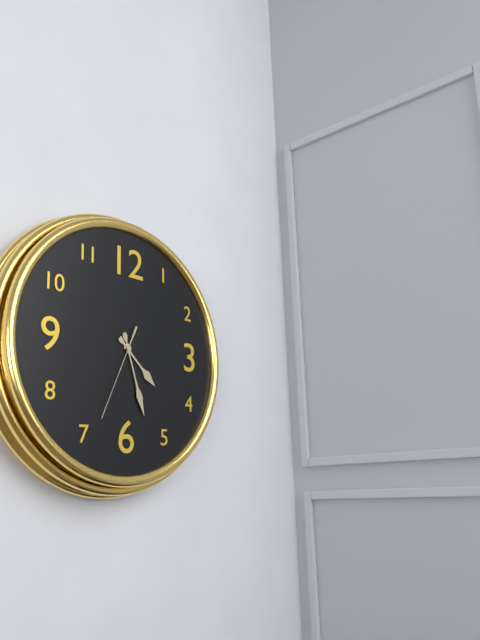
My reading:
4:27:34
